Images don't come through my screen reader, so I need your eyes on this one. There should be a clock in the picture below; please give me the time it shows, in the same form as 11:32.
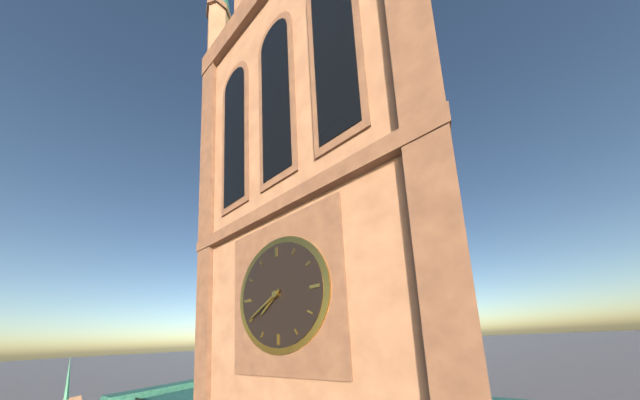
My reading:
7:40
